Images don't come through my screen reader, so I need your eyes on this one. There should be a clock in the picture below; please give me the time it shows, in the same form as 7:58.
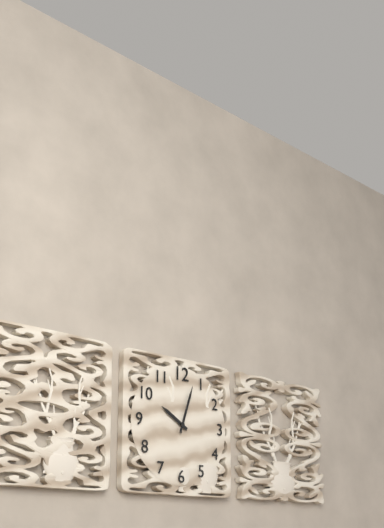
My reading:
10:03
